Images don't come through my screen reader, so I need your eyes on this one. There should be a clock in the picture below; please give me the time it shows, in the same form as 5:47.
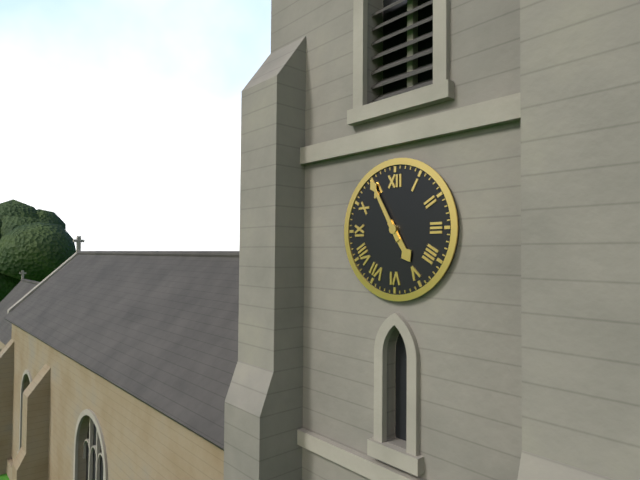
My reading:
4:55
